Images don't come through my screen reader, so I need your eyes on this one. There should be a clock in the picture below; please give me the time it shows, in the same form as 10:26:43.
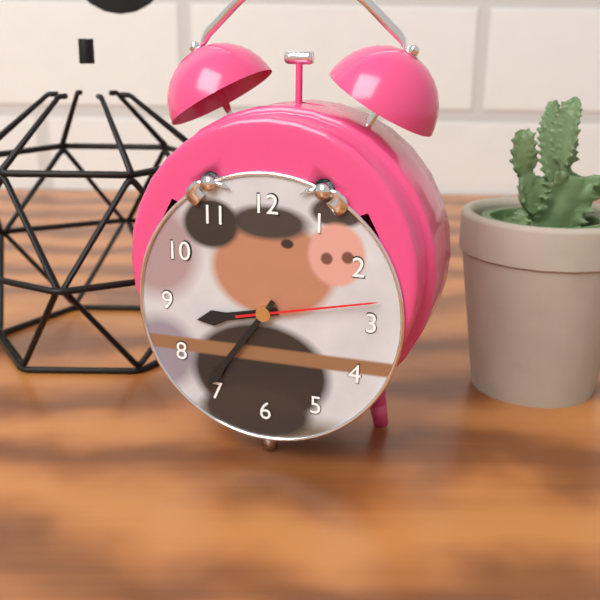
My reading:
8:36:13
